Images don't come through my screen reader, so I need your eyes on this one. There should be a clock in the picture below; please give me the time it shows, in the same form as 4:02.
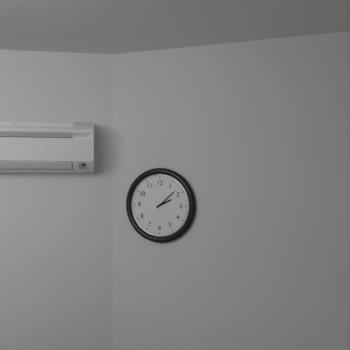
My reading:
2:08
